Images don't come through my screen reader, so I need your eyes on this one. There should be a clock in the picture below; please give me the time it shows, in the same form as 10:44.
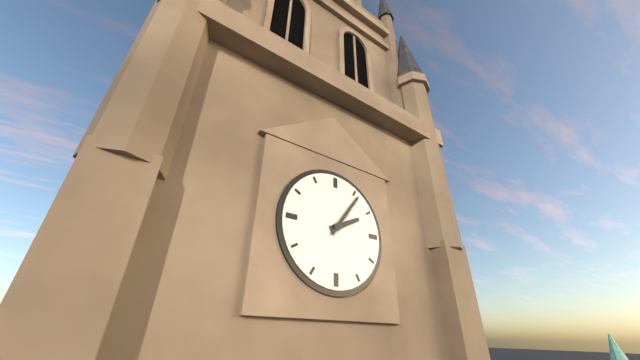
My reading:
2:06
